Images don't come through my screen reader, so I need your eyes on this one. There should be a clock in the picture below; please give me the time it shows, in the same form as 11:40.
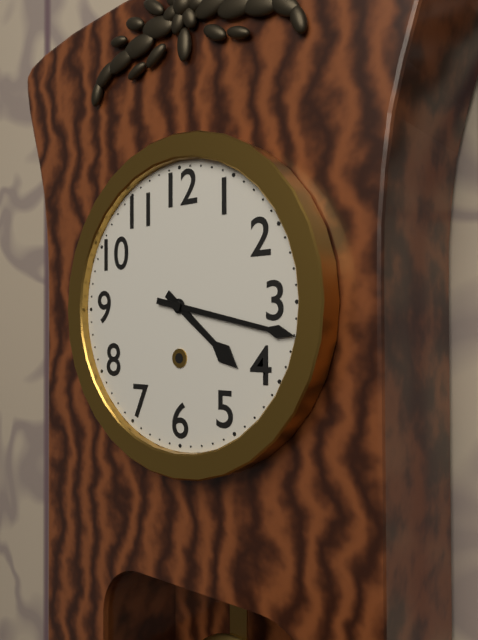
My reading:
4:17
